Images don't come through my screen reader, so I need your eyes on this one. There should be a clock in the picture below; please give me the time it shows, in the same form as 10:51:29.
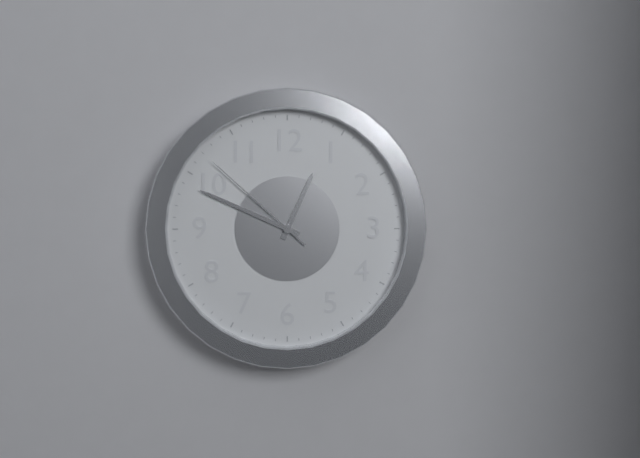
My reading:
12:49:52
